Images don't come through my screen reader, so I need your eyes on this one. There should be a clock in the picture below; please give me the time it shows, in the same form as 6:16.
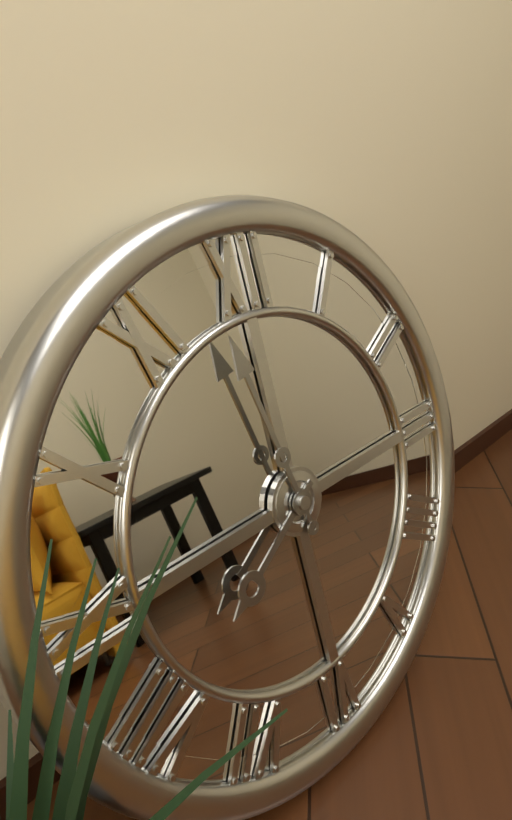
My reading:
7:58
